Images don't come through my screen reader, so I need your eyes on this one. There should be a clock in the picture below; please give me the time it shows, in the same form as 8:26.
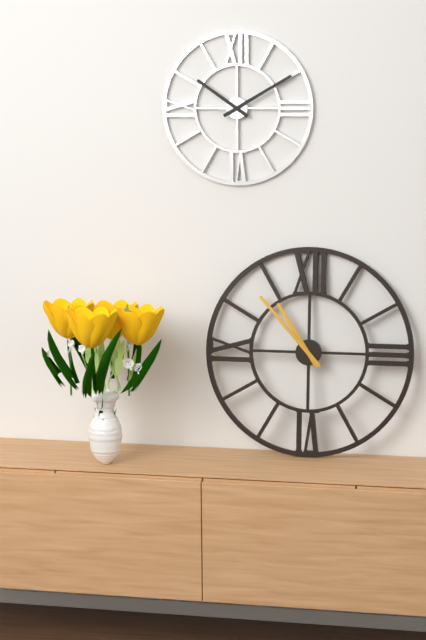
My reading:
10:53
